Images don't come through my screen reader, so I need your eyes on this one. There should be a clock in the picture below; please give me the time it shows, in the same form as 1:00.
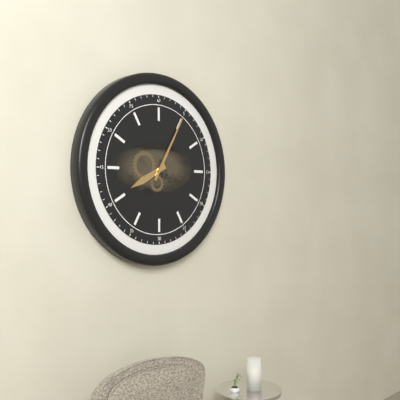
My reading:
8:05
